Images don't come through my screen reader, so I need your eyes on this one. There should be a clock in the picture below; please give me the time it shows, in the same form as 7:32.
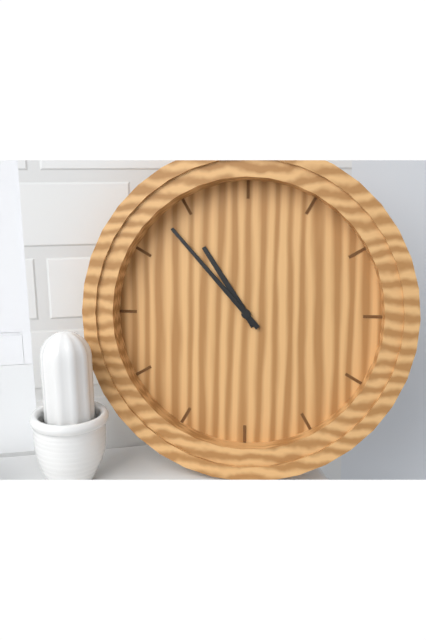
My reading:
10:53
